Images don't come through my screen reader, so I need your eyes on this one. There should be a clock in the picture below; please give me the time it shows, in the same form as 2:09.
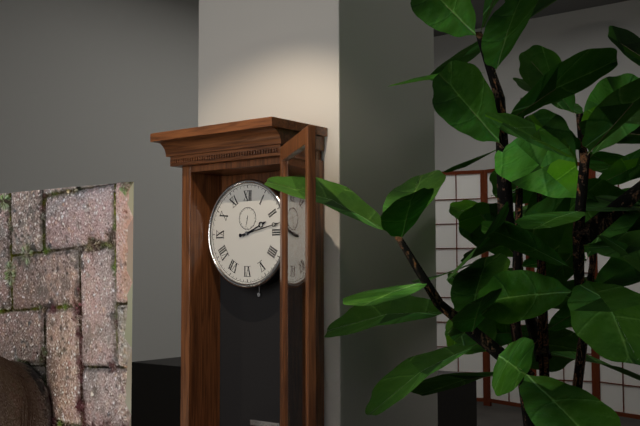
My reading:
2:13
